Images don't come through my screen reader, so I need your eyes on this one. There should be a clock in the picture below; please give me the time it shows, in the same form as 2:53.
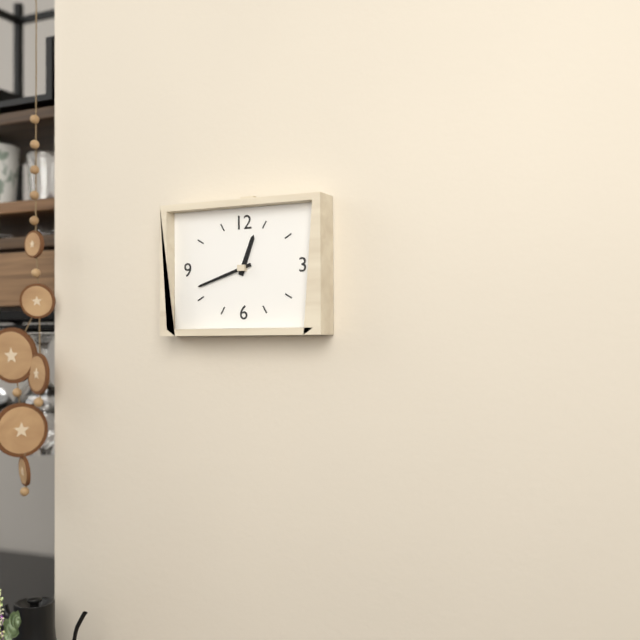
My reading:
12:42
